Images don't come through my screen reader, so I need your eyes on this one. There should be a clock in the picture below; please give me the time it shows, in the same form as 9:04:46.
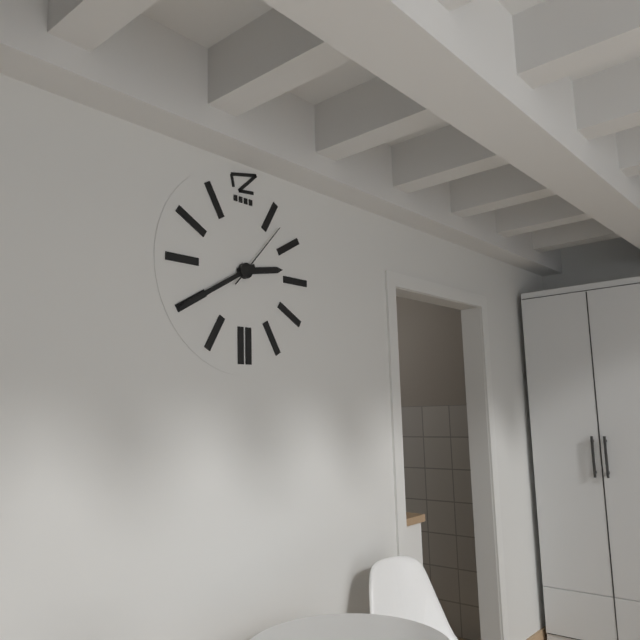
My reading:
2:40:07
